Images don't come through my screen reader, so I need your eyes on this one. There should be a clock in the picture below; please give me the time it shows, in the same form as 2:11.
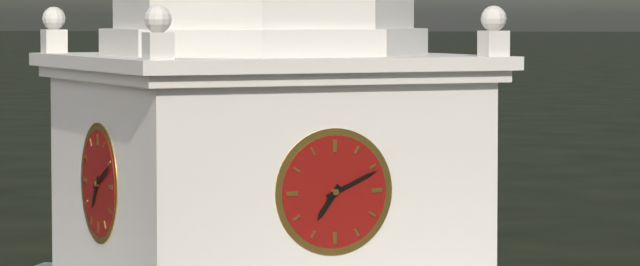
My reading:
7:11
